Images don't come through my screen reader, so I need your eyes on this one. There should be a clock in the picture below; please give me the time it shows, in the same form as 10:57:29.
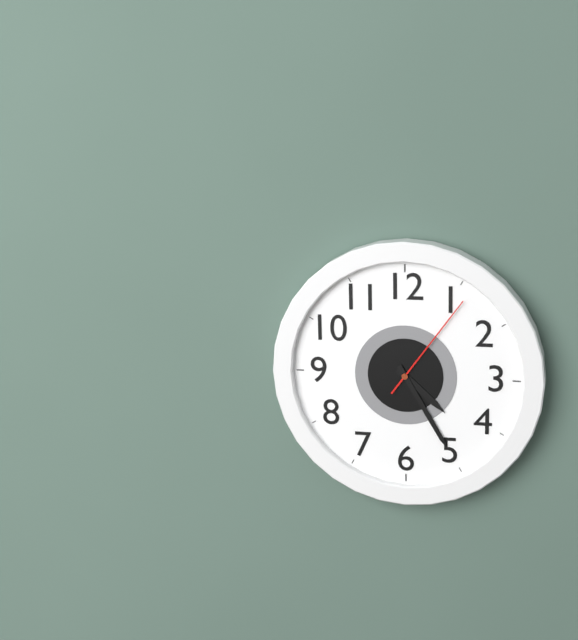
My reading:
4:25:06
